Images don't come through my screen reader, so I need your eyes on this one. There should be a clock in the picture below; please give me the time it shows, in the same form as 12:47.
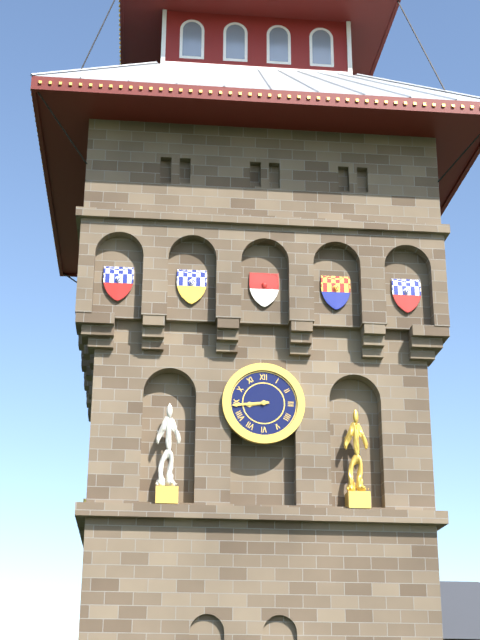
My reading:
8:44
